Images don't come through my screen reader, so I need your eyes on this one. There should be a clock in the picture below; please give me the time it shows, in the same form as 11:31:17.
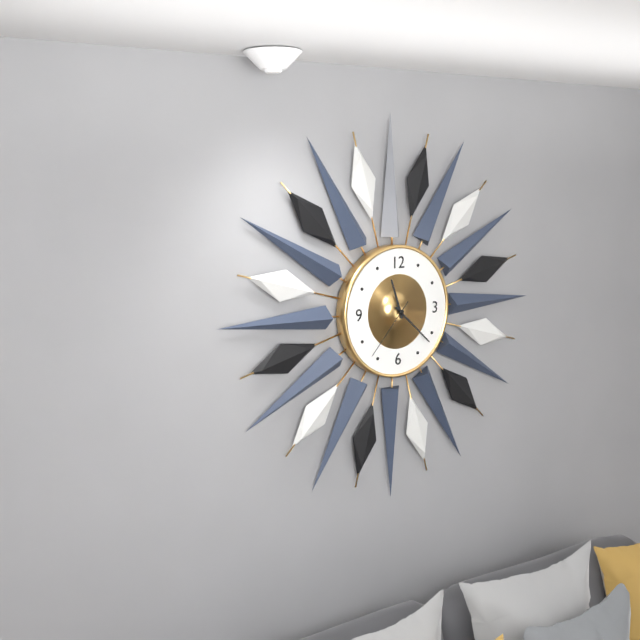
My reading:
11:22:37
